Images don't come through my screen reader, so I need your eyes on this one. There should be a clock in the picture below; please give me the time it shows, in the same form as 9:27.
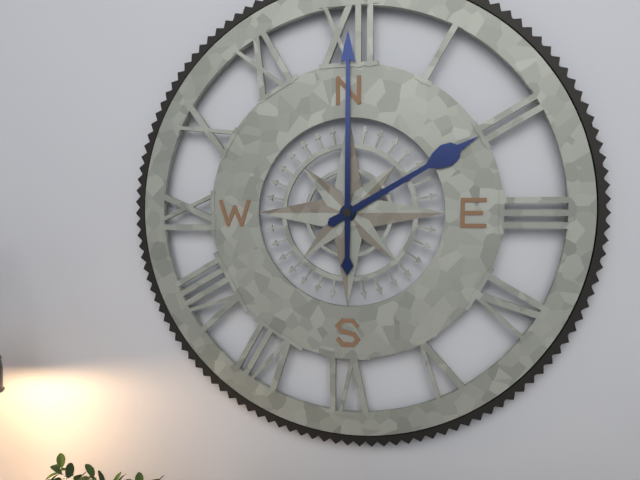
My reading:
2:00
